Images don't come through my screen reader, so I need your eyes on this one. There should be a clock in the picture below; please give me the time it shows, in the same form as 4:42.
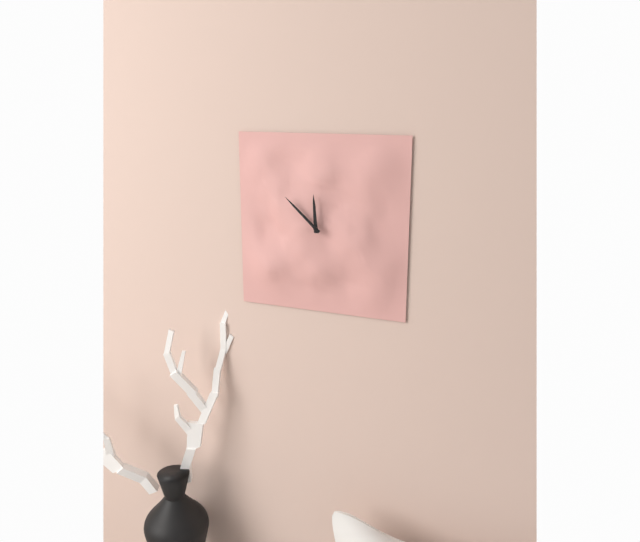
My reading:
11:52
